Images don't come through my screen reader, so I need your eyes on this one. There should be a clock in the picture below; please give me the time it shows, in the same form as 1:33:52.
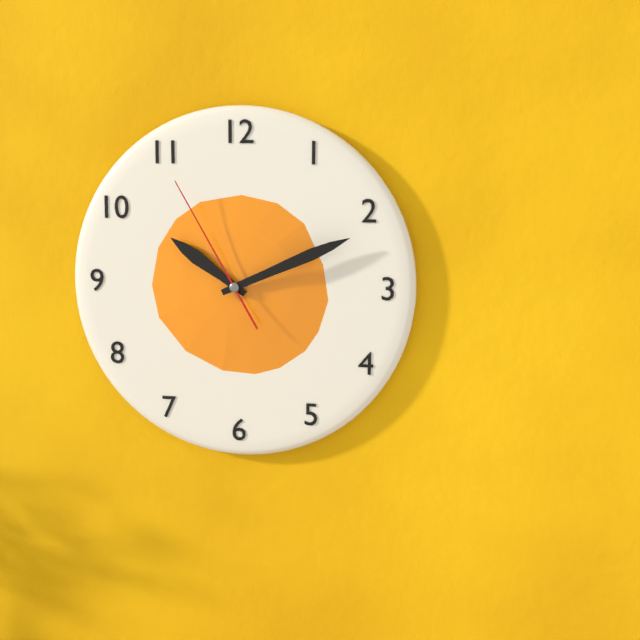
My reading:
10:11:55
